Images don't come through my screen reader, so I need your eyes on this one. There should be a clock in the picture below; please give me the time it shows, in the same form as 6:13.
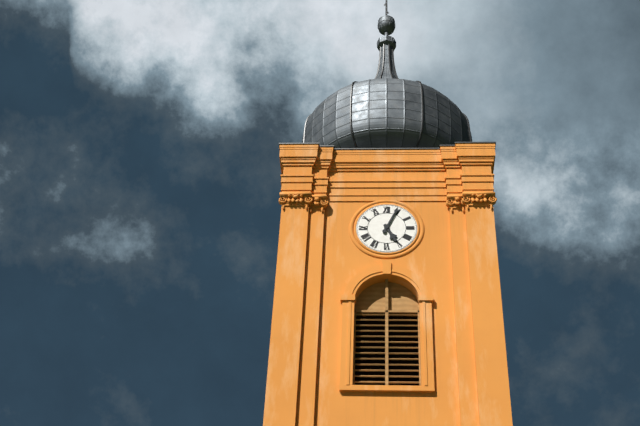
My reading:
5:04
